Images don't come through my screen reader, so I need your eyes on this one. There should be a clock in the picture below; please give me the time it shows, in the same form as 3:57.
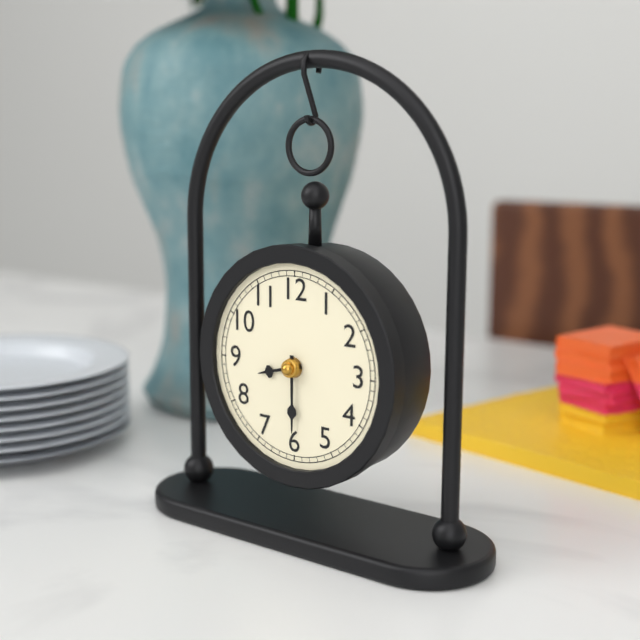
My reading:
8:30
